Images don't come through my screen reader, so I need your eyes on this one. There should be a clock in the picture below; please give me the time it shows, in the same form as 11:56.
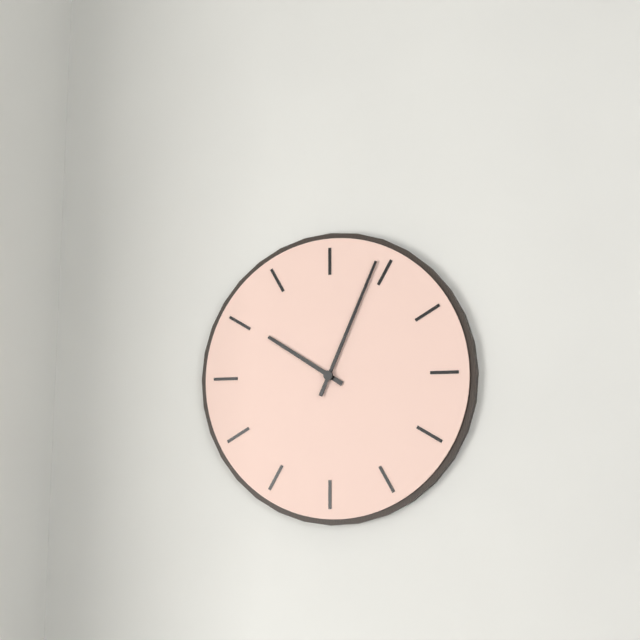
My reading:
10:04
